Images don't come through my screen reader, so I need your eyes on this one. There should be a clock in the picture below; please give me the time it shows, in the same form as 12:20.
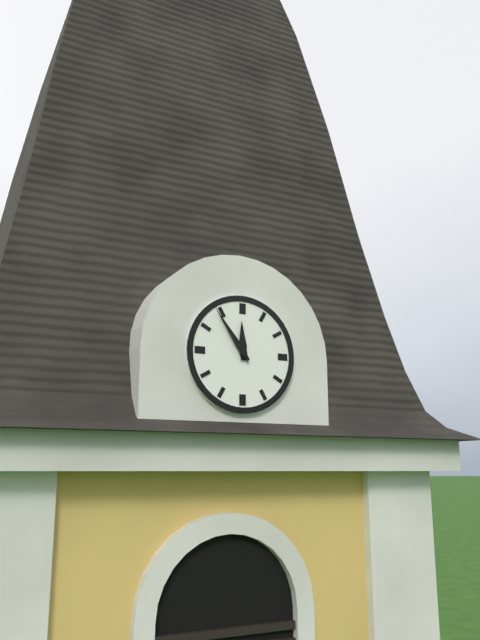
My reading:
11:54
